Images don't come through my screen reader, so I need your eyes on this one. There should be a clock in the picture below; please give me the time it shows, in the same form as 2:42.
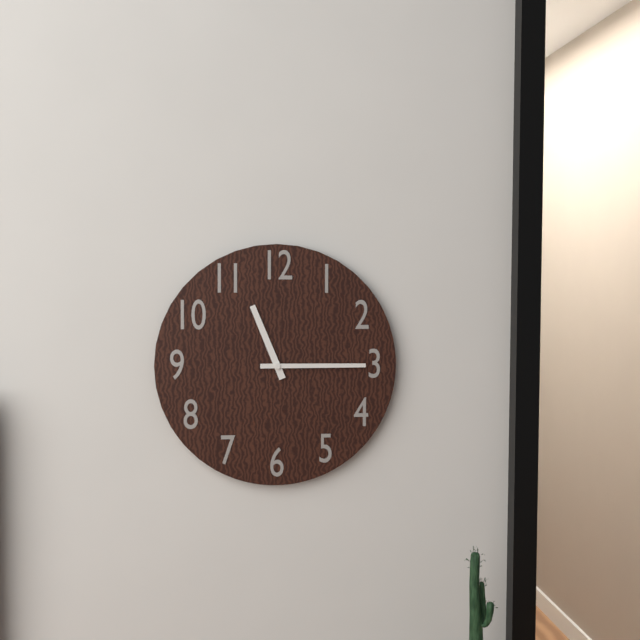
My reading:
11:15
